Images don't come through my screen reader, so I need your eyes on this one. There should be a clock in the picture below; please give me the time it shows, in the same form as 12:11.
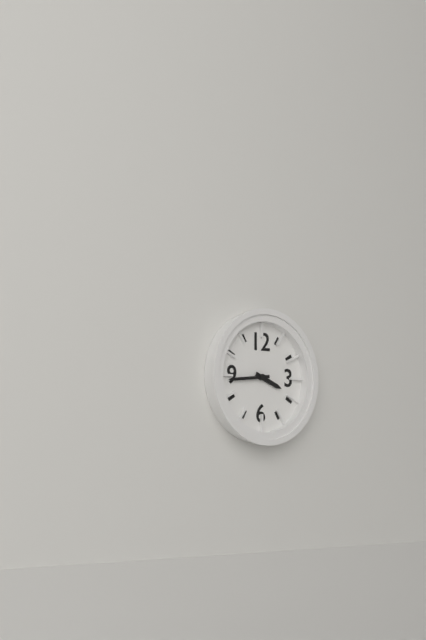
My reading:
3:44
